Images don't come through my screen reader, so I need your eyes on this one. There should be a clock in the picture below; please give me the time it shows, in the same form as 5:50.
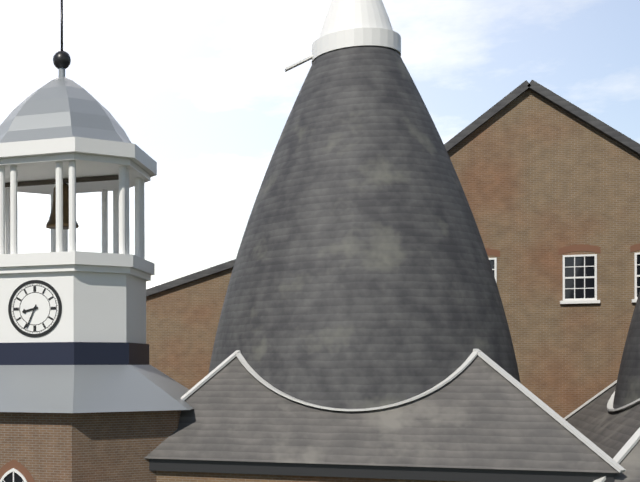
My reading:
8:34
